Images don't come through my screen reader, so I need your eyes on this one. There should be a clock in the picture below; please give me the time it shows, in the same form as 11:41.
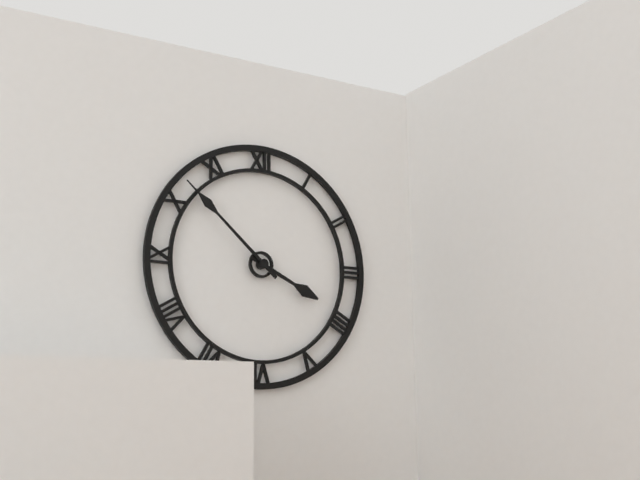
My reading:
3:52
